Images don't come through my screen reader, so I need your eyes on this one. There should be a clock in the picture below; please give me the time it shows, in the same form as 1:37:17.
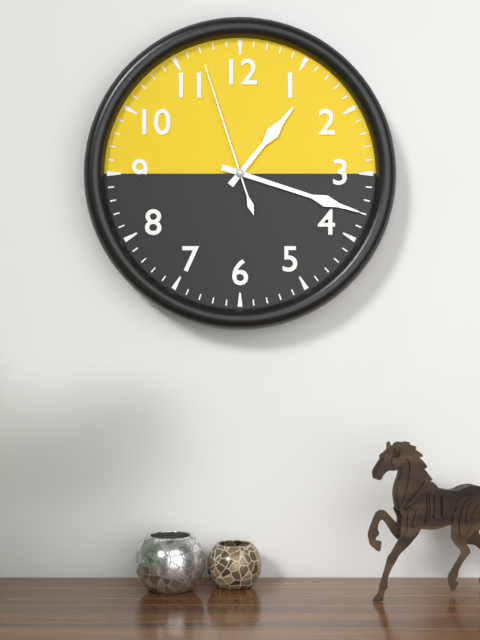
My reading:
1:18:57
